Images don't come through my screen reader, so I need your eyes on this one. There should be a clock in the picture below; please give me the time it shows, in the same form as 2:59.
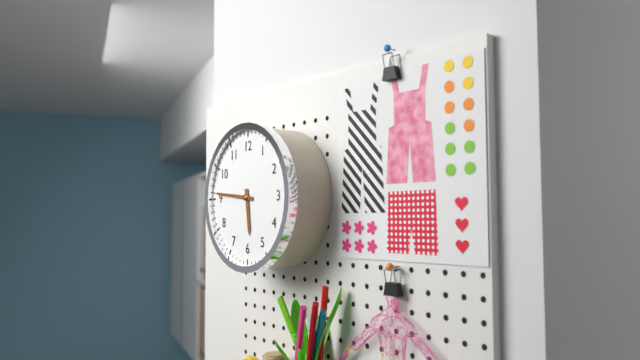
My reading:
5:46
